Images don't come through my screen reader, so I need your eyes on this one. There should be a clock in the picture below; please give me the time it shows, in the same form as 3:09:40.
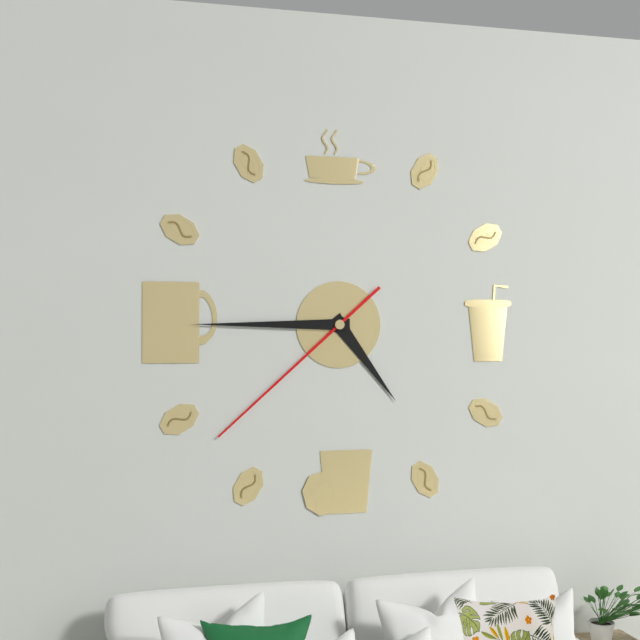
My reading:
4:45:38
